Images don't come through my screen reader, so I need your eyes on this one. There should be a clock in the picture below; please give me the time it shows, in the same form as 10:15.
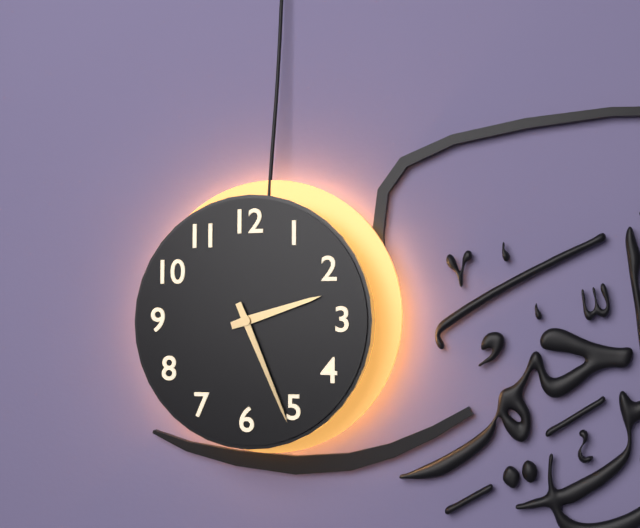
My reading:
2:26
